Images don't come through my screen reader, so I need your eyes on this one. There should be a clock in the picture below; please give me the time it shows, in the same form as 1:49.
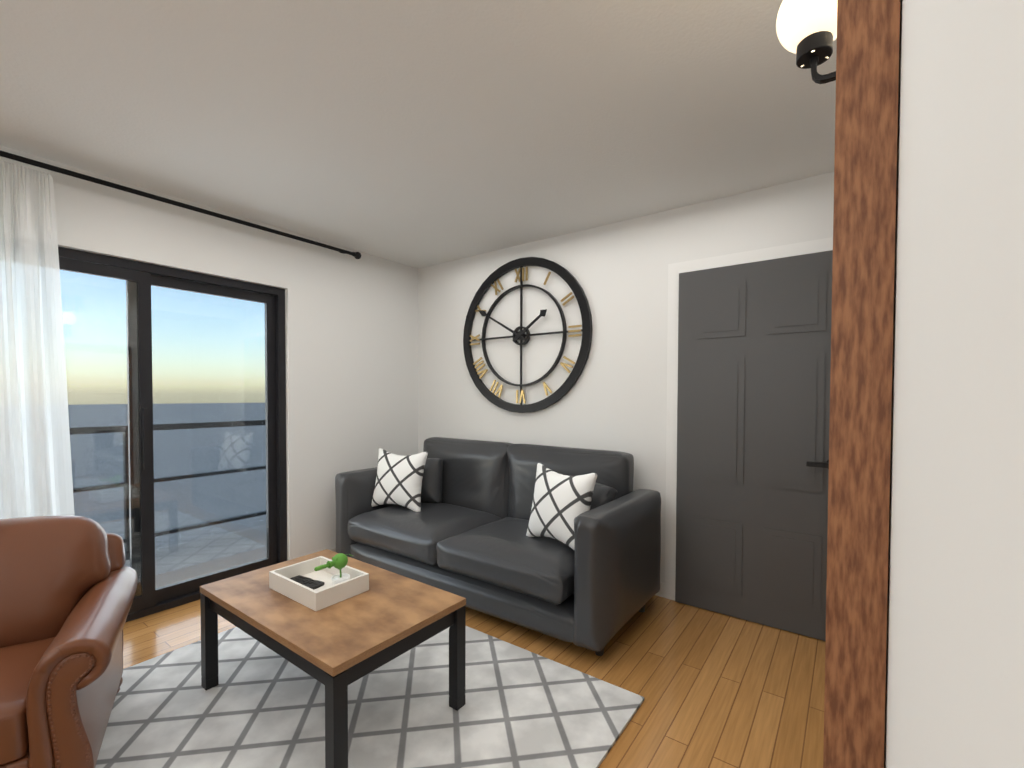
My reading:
1:50
